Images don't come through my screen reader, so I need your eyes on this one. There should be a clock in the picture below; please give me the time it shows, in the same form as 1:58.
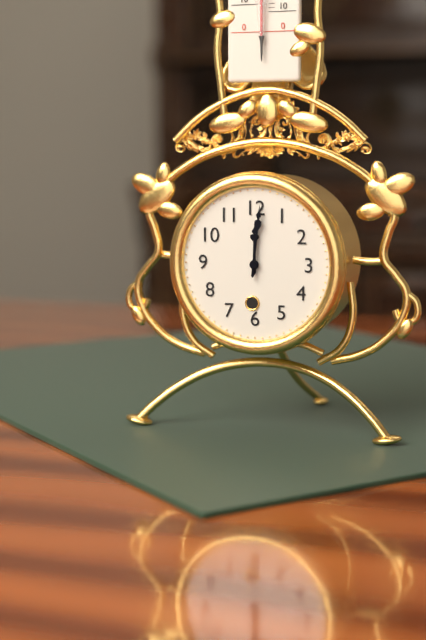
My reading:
12:01
